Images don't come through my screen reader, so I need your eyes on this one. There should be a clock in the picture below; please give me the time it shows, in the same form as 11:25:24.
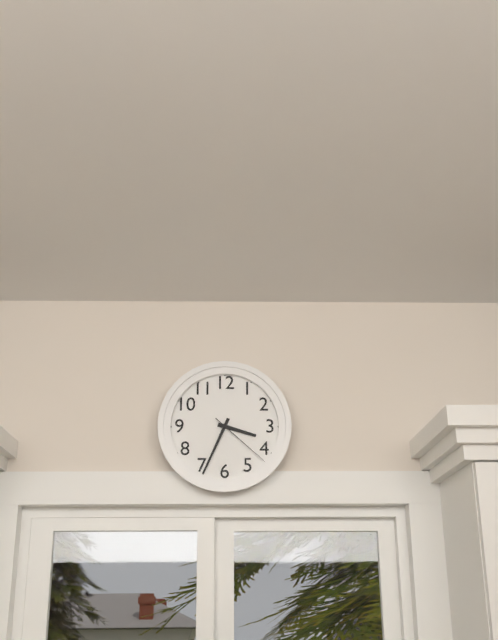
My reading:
3:34:22
